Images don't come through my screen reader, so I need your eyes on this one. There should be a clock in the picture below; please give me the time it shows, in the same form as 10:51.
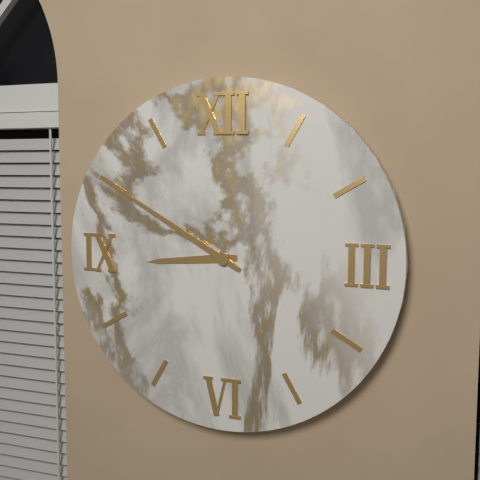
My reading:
8:50
